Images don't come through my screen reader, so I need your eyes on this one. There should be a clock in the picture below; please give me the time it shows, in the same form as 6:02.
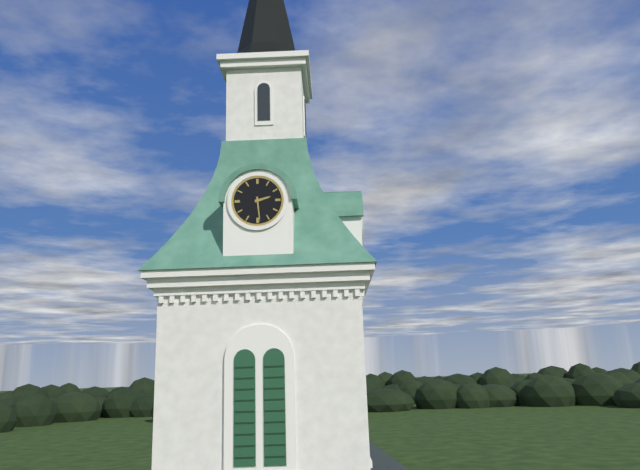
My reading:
2:29
